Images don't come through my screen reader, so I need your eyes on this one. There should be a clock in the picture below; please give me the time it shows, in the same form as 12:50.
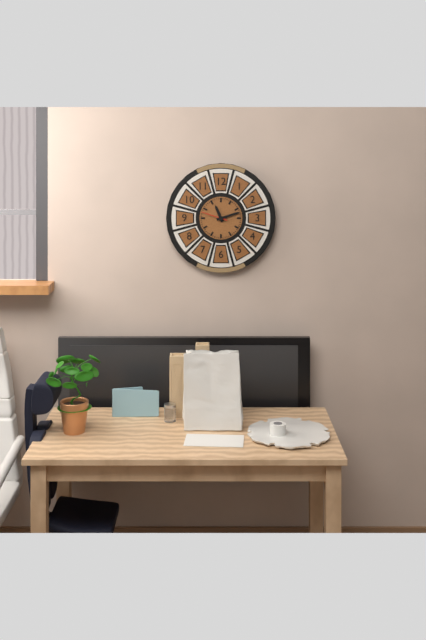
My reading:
11:12
